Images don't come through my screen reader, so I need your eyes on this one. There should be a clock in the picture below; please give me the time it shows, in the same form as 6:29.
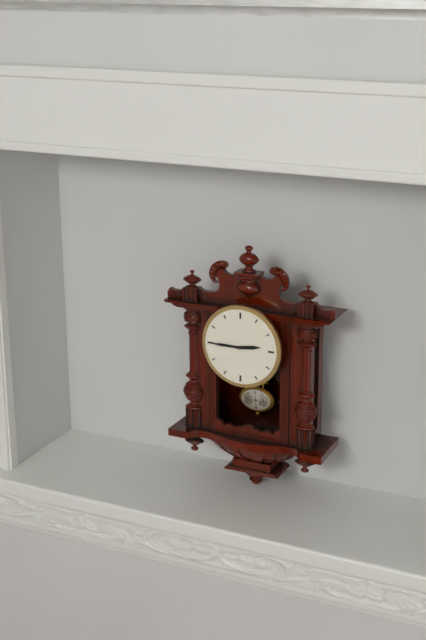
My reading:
2:45
